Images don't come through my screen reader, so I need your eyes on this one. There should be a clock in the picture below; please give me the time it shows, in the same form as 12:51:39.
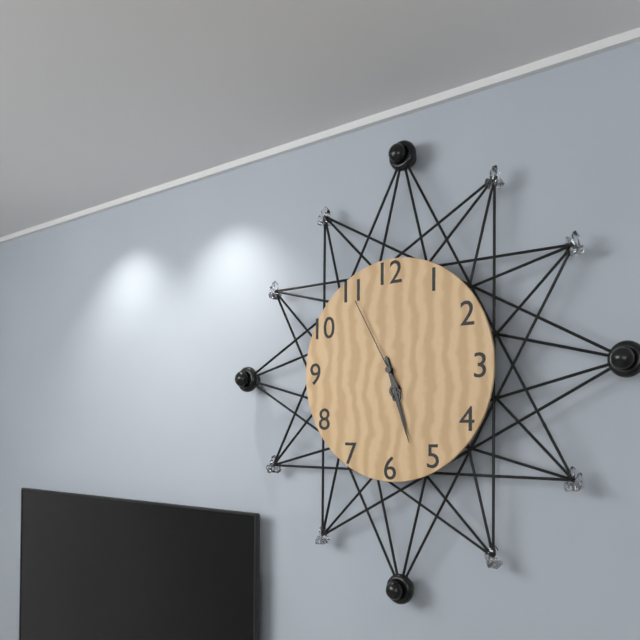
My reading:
5:27:55
